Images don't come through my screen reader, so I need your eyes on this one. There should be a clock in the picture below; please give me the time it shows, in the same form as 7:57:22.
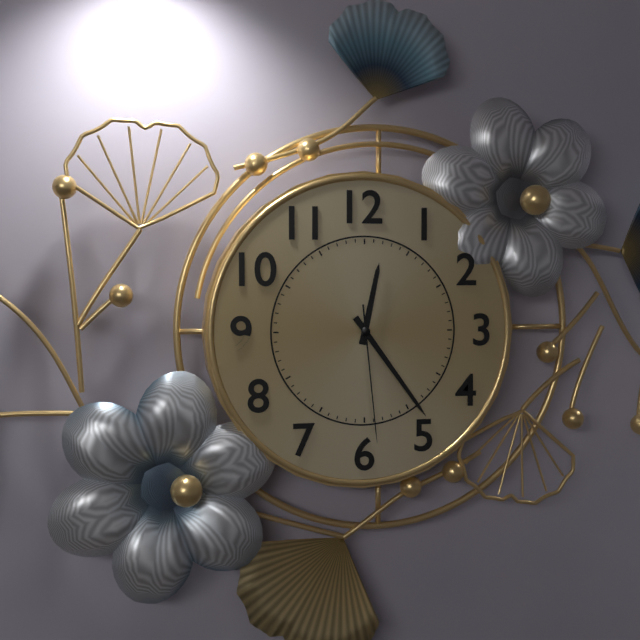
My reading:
12:24:29
